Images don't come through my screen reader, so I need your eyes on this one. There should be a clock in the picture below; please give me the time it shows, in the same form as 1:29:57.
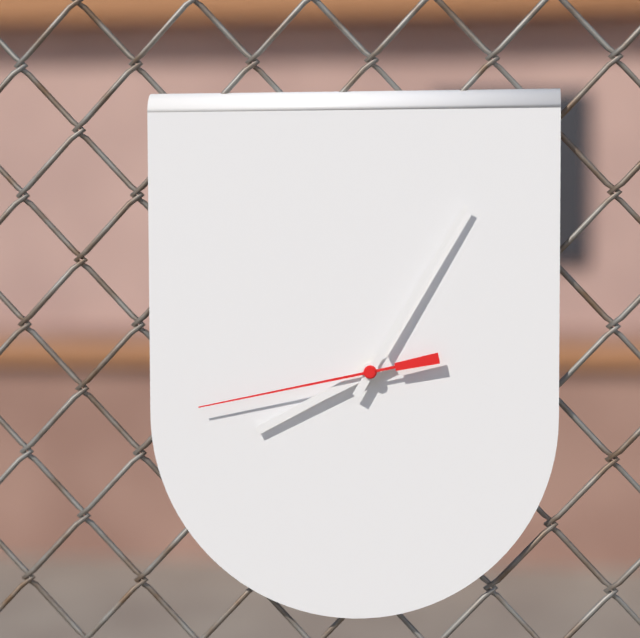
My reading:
8:05:43
